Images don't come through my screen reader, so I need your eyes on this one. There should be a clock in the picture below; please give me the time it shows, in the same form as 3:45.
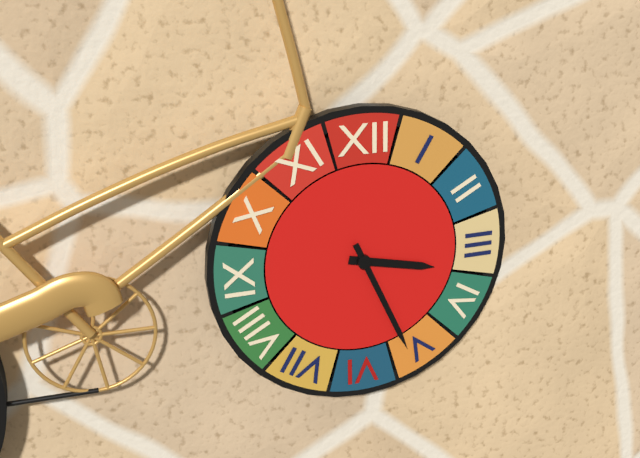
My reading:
3:26
